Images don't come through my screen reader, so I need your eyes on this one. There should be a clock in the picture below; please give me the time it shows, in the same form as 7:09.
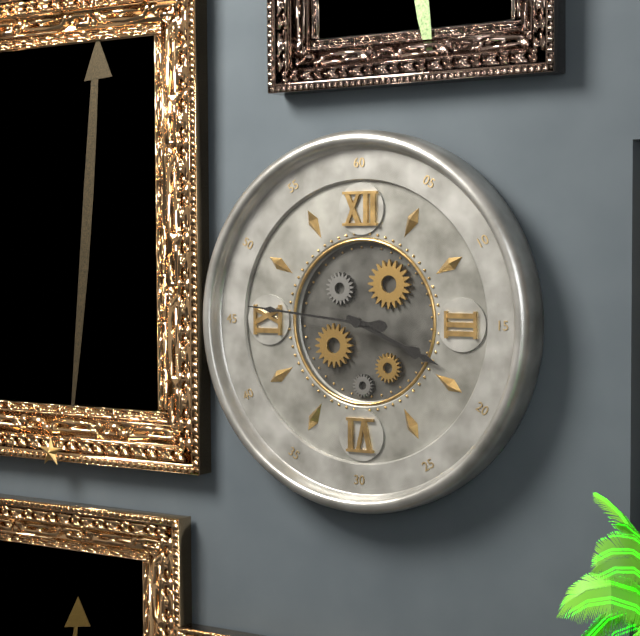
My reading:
3:46
